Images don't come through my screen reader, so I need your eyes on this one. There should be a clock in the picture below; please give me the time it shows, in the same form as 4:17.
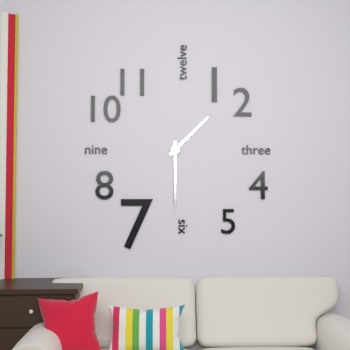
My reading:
1:30
